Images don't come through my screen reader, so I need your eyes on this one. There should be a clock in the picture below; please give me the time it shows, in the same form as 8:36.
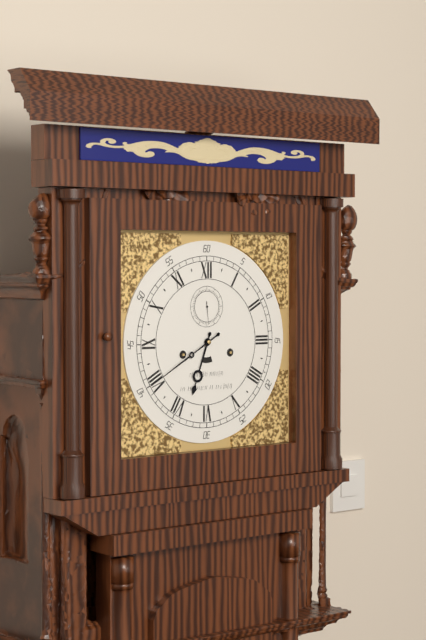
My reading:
6:40
